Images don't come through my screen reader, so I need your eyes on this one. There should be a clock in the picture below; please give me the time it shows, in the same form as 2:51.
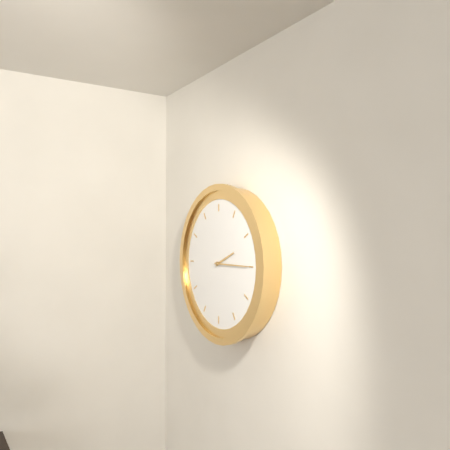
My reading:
2:15
